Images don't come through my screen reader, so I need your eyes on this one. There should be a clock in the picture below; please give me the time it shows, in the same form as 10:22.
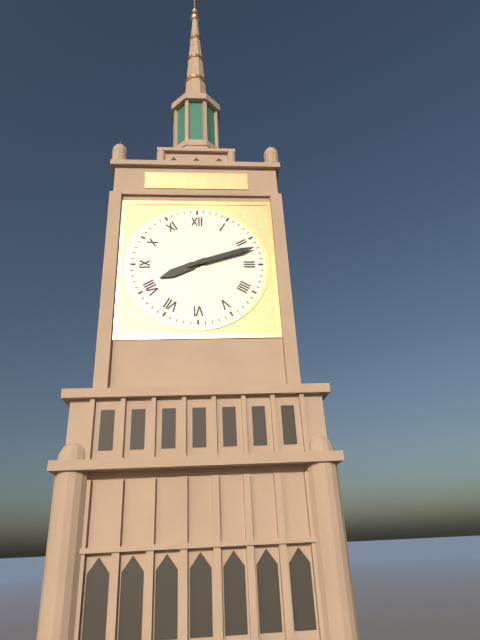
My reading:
8:12
